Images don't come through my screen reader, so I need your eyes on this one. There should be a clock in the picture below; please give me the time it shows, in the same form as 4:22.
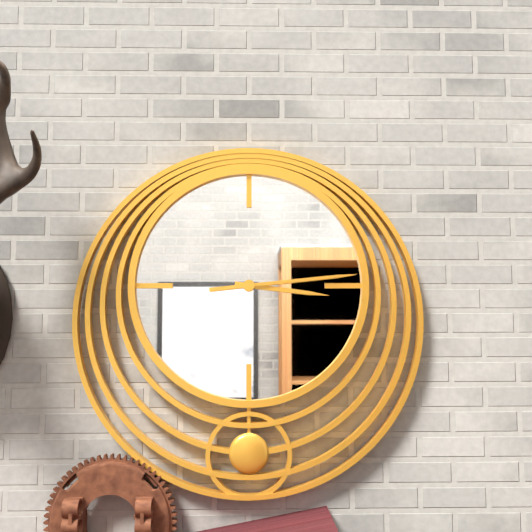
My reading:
3:14
